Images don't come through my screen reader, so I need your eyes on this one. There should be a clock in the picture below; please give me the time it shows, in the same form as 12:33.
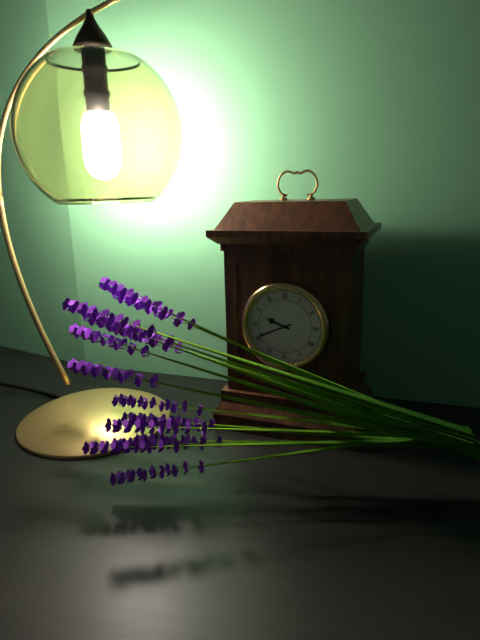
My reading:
9:41
